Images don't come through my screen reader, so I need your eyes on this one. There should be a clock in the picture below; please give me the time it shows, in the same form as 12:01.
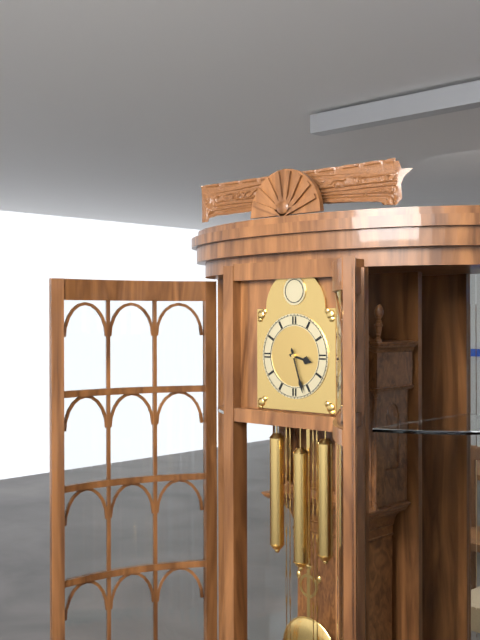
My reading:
3:27
